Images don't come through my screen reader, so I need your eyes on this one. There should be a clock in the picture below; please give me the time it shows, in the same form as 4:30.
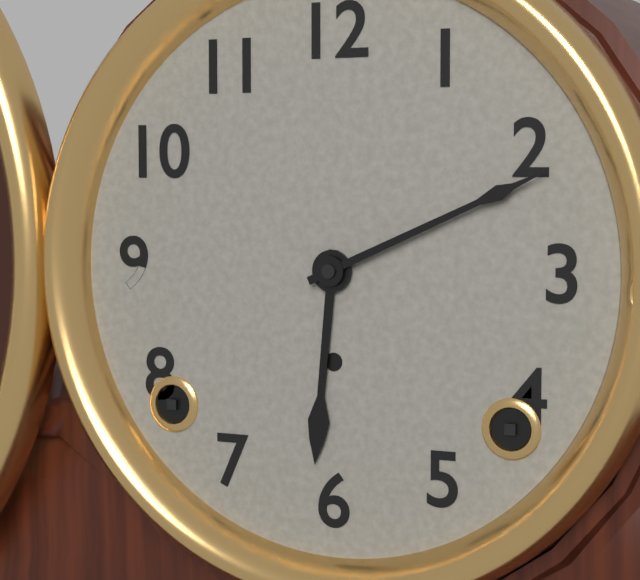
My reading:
6:11
